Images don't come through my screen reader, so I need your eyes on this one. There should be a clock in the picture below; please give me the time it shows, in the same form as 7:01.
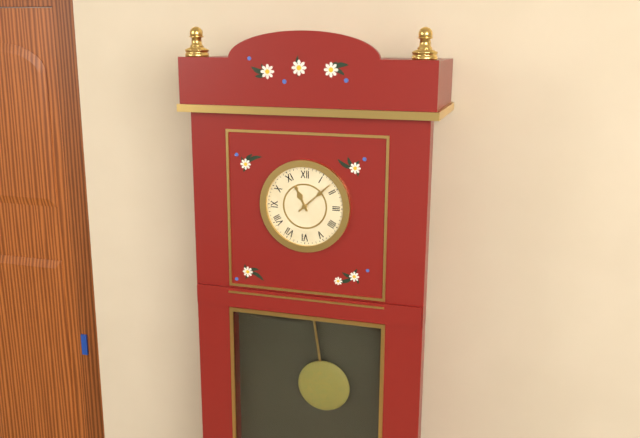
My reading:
11:08
